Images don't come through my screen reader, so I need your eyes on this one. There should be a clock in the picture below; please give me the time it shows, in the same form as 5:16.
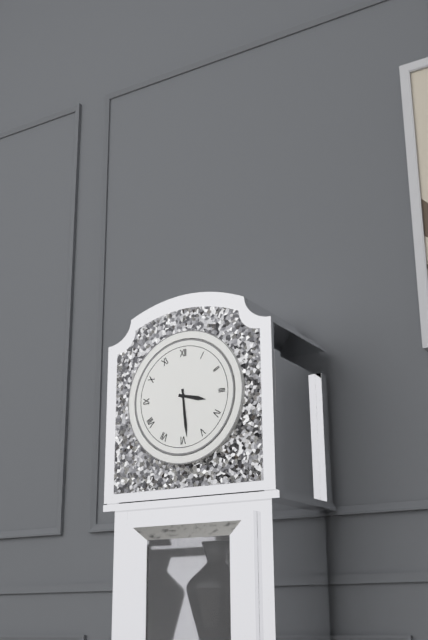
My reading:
3:29
